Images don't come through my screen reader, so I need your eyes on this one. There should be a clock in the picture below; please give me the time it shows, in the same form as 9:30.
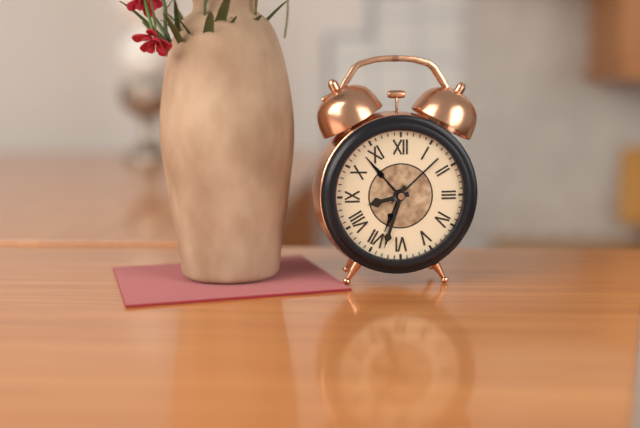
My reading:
8:33
